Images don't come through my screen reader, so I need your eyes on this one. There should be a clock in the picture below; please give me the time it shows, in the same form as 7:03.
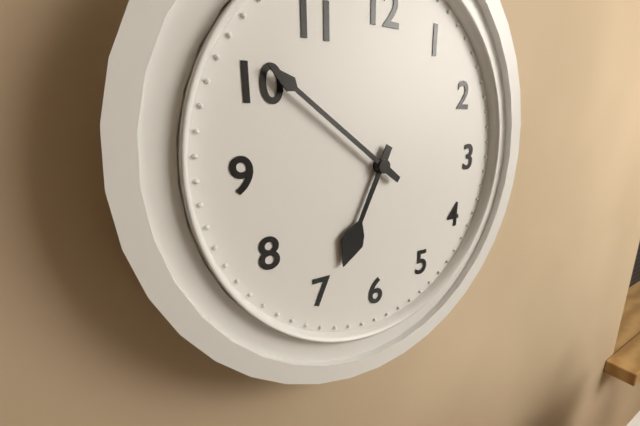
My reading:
6:51
